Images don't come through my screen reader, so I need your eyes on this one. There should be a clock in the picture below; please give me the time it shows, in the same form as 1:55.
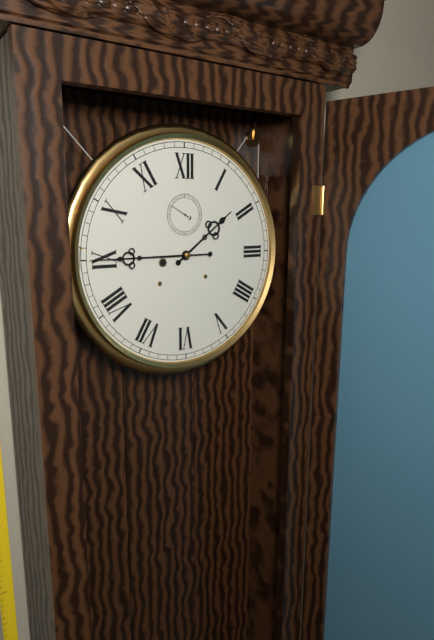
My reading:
1:45
